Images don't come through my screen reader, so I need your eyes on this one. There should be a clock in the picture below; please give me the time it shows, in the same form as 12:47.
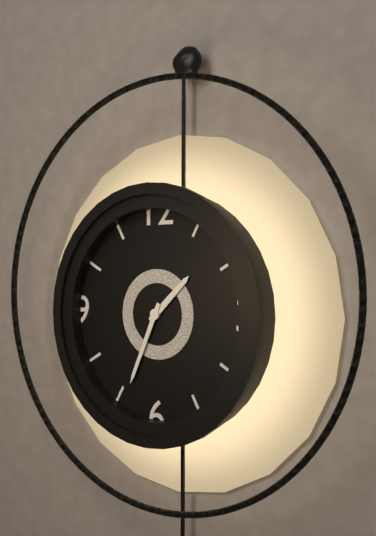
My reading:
1:34
